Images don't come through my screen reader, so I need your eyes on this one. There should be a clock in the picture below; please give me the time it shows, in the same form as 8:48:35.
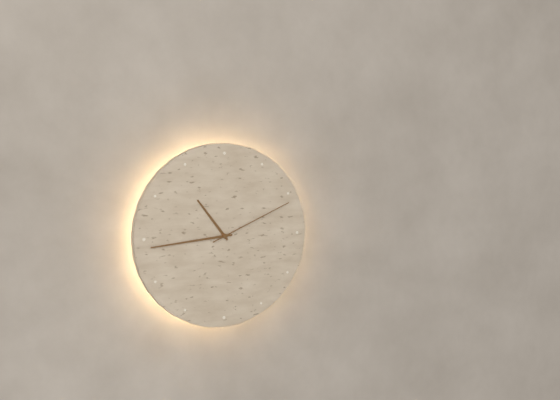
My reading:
10:44:11
